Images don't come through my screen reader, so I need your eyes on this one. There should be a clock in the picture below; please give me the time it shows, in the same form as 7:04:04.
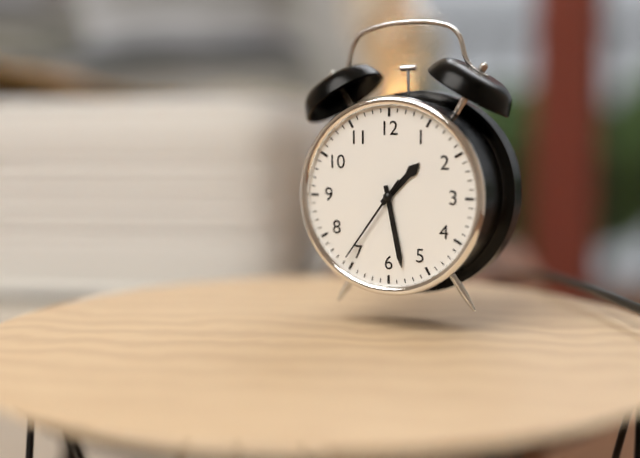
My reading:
1:28:36
